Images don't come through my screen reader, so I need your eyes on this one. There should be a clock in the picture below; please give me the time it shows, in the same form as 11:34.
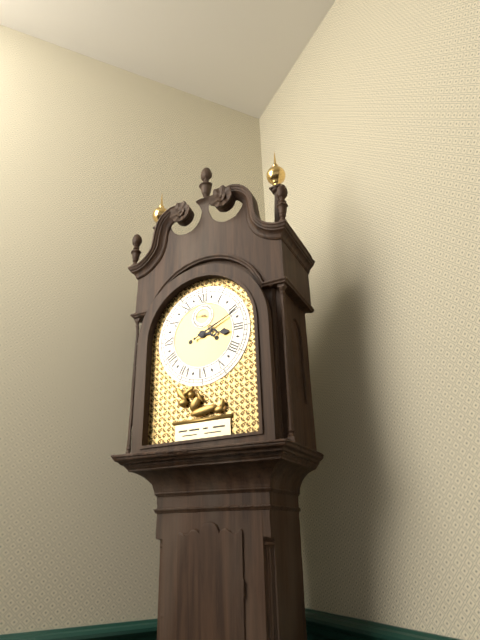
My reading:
3:11
